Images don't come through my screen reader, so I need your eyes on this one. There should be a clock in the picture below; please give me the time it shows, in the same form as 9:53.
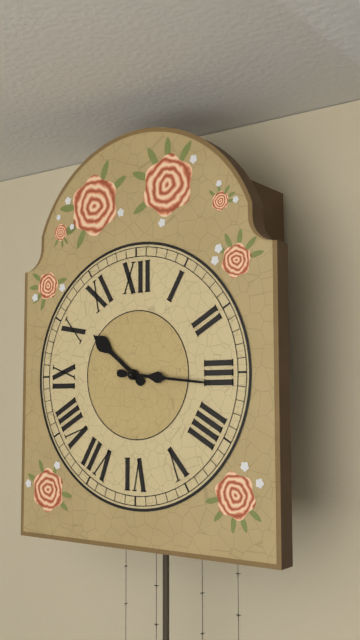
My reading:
10:16
